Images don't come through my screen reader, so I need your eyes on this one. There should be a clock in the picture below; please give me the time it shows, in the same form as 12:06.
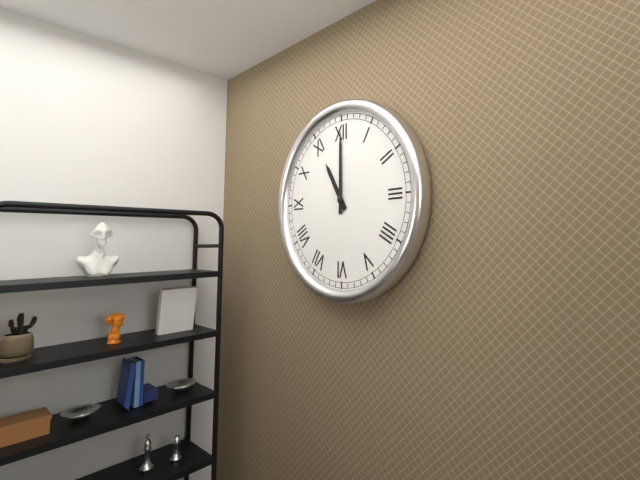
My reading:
11:00
